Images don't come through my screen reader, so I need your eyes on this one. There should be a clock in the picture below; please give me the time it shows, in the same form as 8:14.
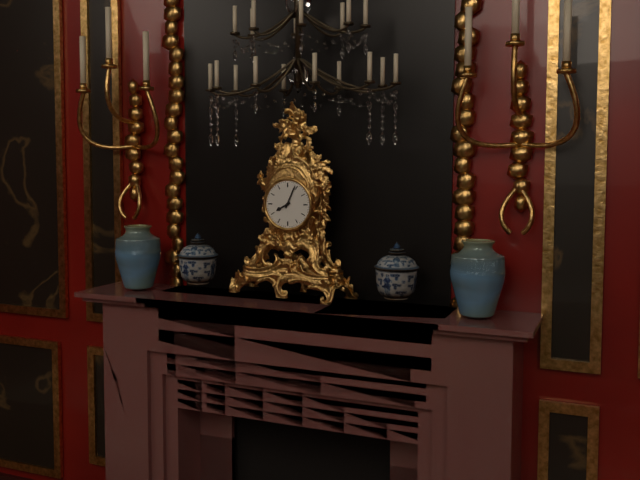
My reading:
8:04
